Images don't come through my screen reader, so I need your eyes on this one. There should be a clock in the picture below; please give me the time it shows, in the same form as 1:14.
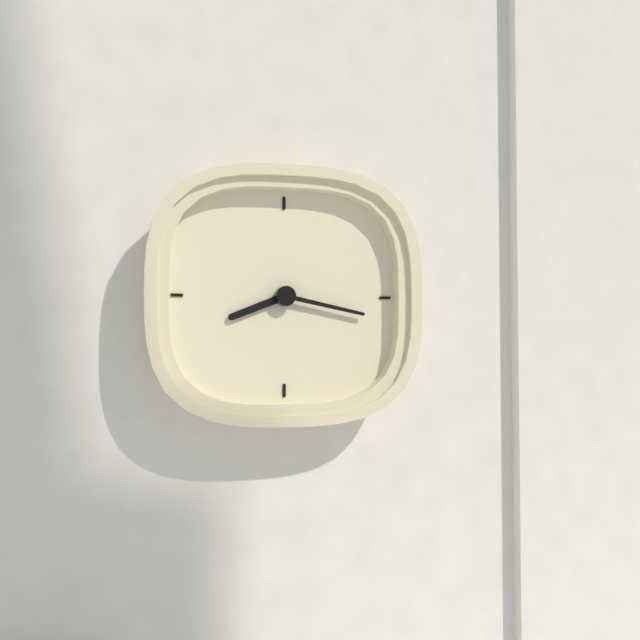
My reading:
8:17
